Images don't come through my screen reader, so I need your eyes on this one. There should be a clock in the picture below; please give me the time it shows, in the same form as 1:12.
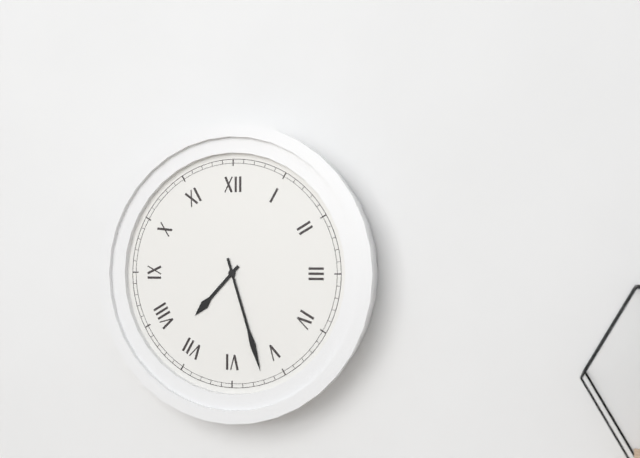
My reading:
7:27
